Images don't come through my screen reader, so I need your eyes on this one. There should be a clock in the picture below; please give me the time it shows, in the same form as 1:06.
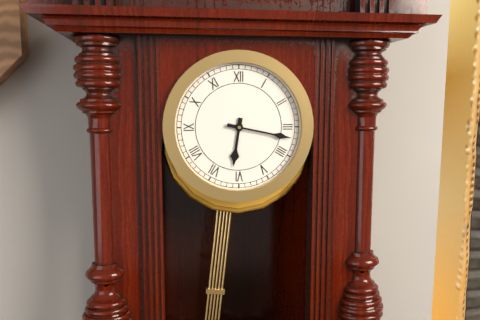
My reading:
6:17
